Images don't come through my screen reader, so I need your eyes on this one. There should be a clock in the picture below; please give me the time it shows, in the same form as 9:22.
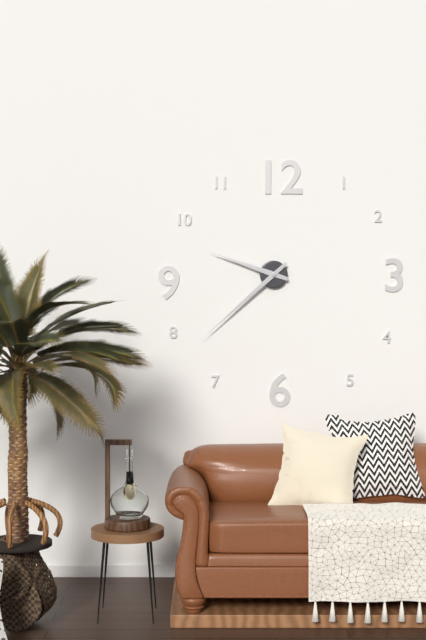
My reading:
9:38
